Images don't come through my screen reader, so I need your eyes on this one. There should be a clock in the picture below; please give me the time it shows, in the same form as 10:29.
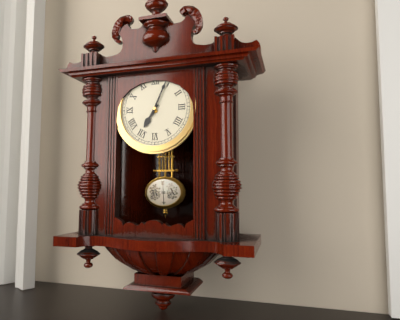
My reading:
7:04
